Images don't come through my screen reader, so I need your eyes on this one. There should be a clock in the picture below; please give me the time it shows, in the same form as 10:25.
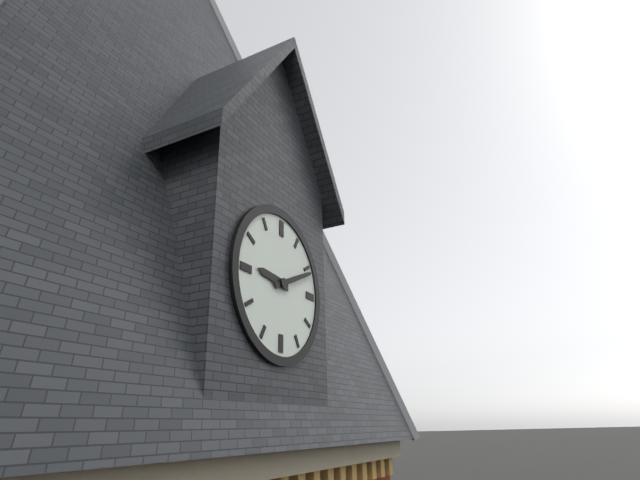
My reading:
9:11
